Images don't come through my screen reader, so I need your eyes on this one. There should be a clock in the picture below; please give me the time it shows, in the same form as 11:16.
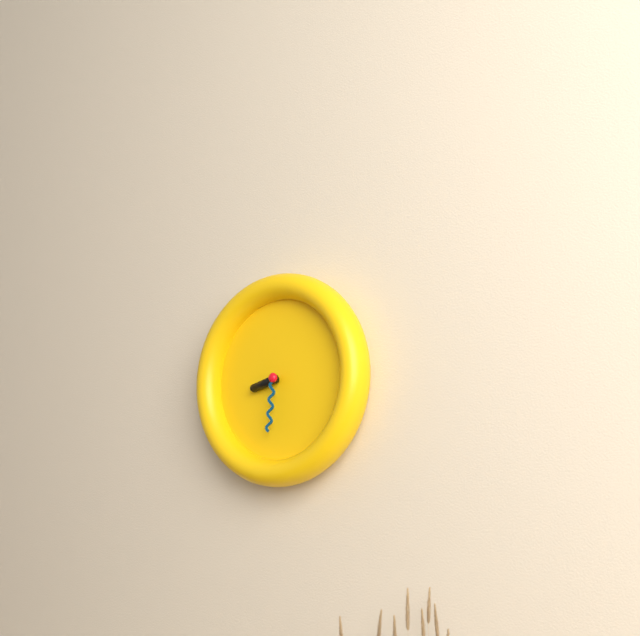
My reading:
8:31
